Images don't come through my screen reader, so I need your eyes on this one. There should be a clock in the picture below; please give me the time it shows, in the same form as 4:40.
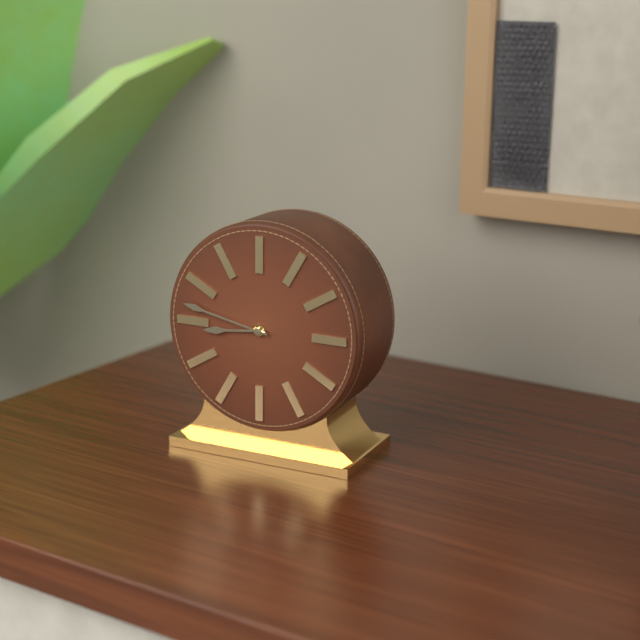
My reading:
8:47
